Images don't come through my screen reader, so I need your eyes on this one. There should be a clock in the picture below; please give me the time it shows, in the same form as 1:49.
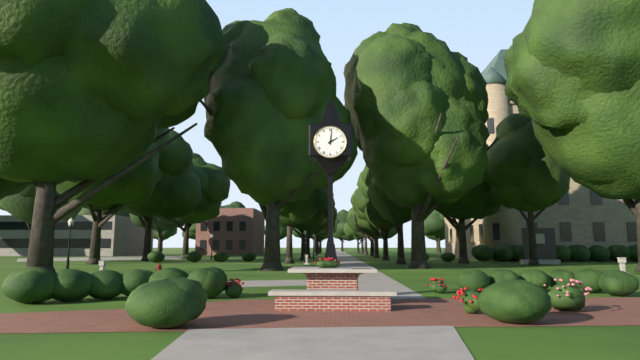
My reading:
2:01
